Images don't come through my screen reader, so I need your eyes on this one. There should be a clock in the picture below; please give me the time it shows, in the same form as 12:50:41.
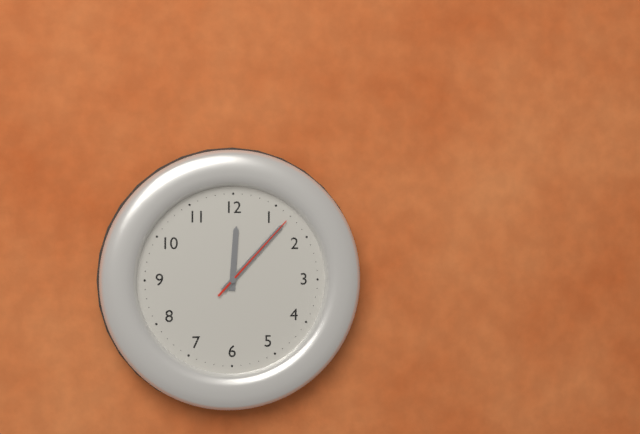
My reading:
12:07:07
